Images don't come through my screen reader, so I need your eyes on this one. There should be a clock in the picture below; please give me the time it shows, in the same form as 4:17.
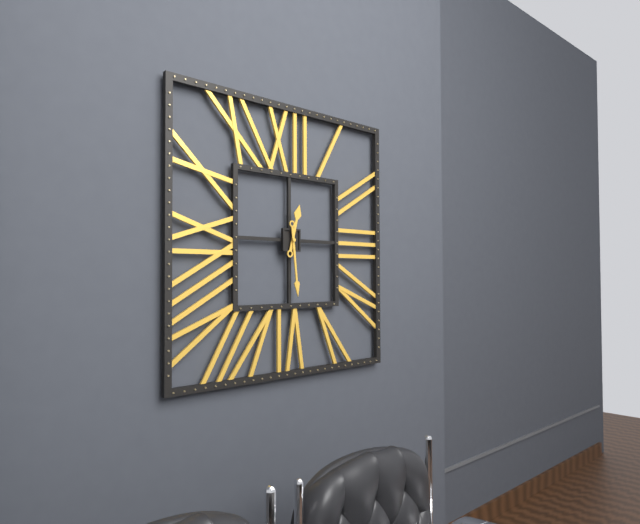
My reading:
12:29
